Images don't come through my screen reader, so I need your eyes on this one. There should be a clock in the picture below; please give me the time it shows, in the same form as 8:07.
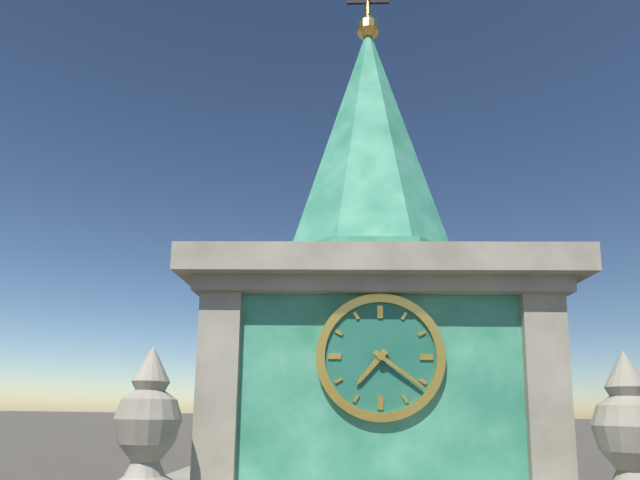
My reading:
7:21
